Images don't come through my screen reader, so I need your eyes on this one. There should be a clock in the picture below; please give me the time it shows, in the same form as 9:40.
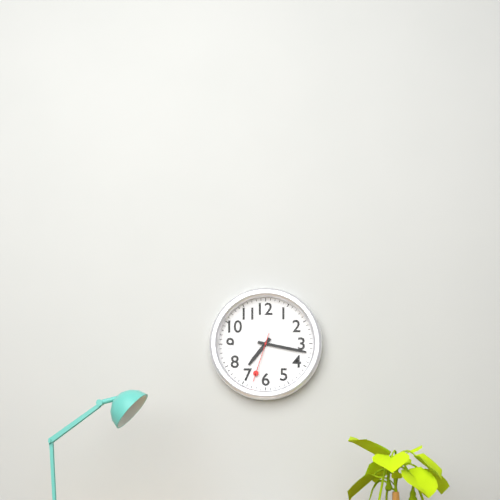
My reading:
7:17
